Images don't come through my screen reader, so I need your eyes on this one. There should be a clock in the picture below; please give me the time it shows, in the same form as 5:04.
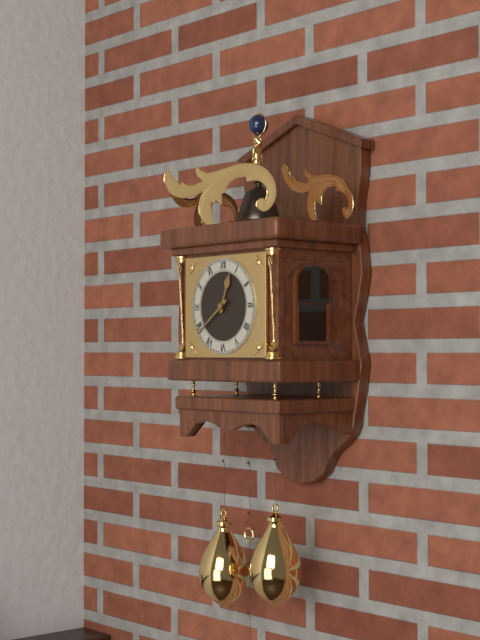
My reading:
12:39
